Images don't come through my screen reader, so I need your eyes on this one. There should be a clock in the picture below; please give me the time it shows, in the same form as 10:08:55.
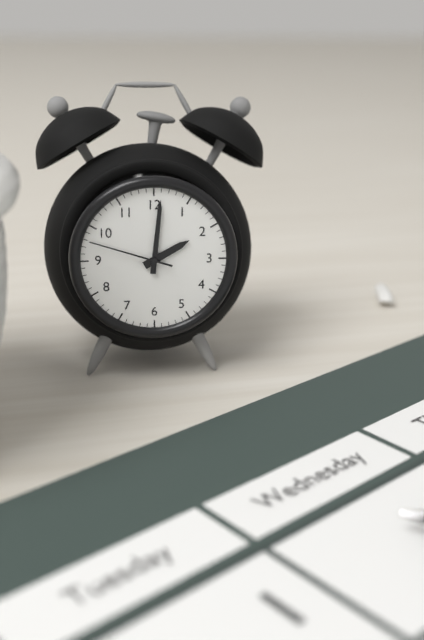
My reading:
2:01:48
